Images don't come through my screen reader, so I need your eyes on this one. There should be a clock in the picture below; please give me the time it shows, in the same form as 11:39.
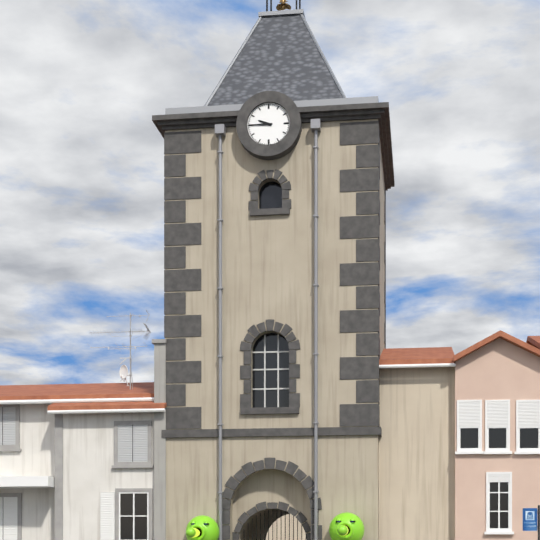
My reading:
9:45
